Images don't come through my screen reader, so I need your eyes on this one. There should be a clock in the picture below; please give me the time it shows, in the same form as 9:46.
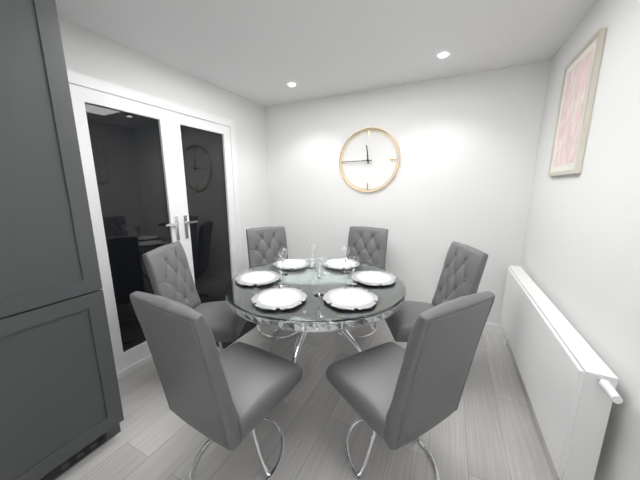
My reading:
11:45
